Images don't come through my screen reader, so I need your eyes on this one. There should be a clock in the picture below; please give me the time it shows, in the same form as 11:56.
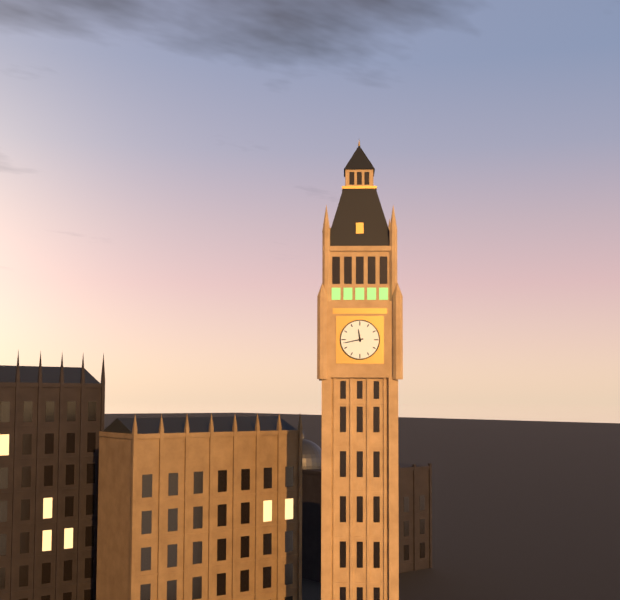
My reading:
11:43
